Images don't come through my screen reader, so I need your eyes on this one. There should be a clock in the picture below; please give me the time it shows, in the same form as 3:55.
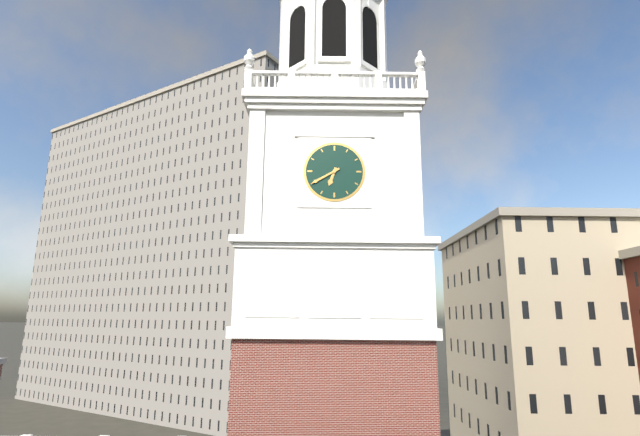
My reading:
6:40
